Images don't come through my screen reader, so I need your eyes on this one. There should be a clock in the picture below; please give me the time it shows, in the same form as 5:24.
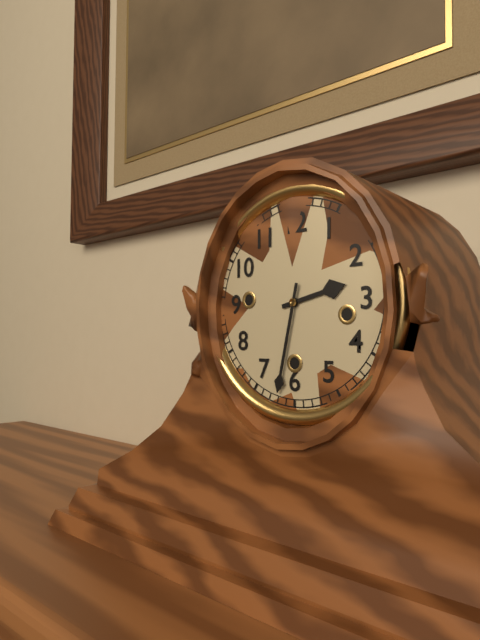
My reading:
2:32
